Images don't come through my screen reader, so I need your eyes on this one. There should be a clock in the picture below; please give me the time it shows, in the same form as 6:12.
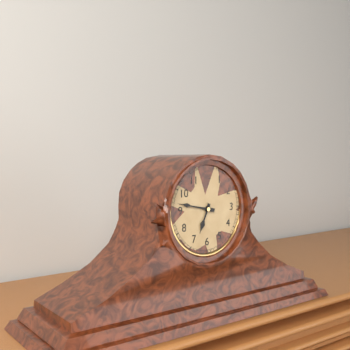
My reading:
6:47
